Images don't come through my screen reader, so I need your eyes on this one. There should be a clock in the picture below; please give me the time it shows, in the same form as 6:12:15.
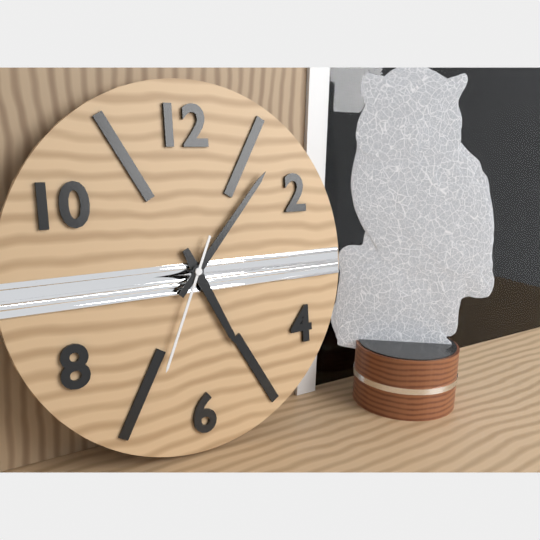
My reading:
5:07:34
